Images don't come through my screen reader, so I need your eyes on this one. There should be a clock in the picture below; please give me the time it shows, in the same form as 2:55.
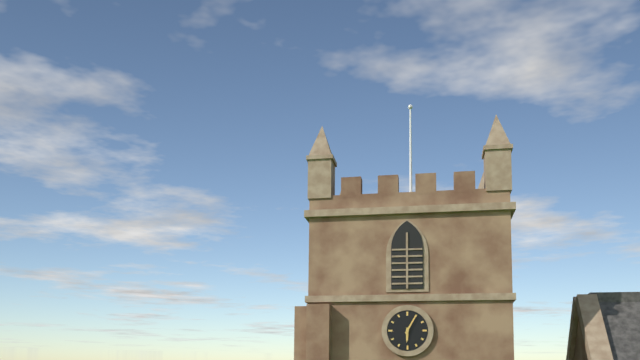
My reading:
6:05
